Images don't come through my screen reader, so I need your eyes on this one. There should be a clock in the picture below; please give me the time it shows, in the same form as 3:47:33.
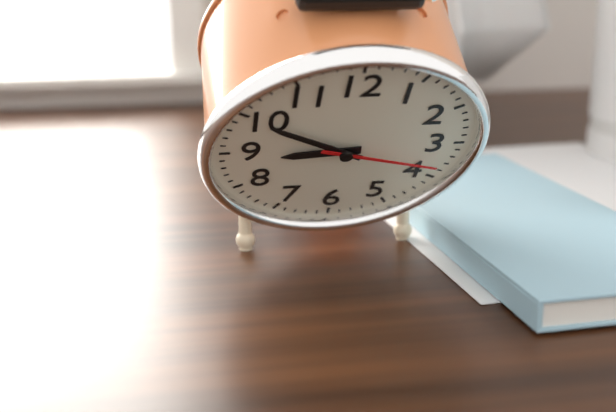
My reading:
8:50:18
